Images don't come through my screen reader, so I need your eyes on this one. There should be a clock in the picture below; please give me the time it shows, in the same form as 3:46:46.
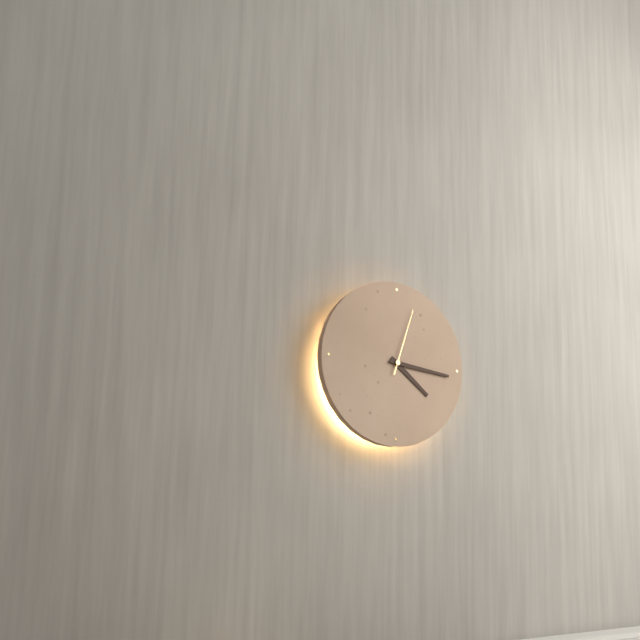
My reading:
4:16:03
